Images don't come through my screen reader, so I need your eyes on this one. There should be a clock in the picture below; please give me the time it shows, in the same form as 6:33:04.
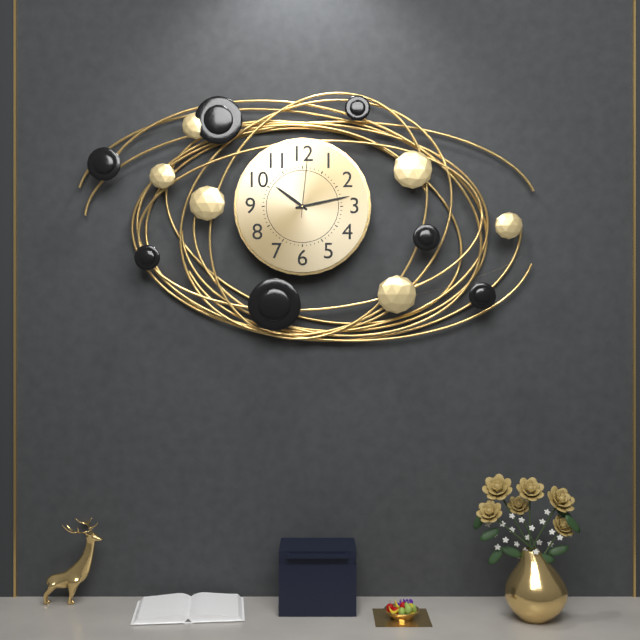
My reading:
10:13:01
